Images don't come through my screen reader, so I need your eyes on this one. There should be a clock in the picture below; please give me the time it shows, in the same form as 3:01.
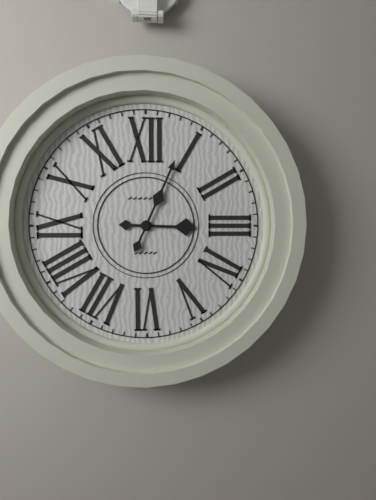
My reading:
3:04
